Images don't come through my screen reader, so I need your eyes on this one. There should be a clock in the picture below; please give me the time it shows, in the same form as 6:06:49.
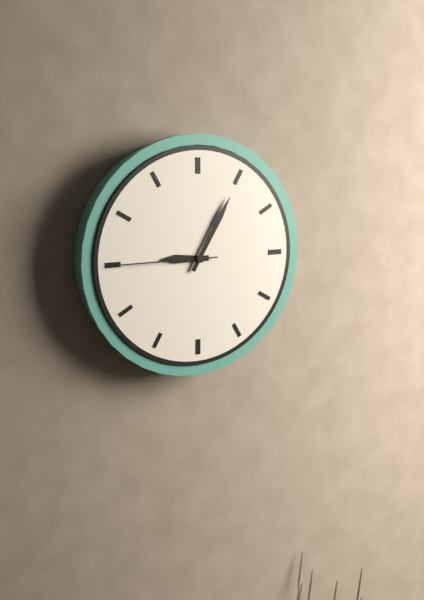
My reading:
9:05:45
